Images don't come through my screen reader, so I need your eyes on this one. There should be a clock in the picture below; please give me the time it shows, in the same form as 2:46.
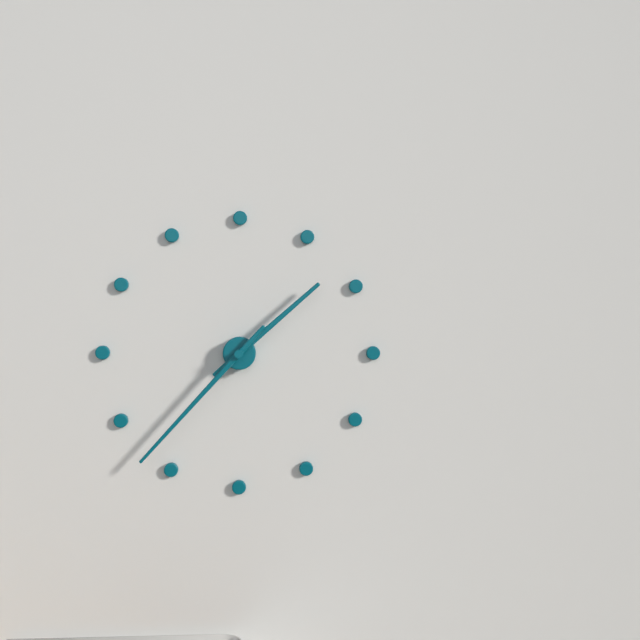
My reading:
1:37
